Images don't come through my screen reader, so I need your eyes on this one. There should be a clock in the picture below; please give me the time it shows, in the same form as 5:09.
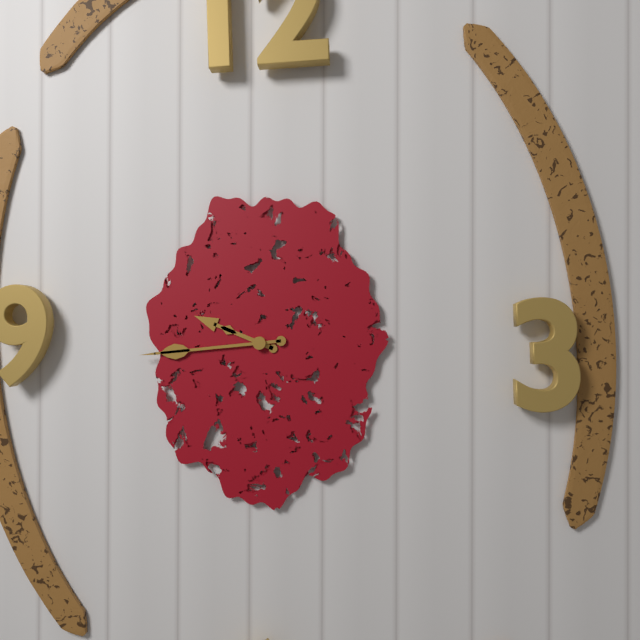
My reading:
9:44
